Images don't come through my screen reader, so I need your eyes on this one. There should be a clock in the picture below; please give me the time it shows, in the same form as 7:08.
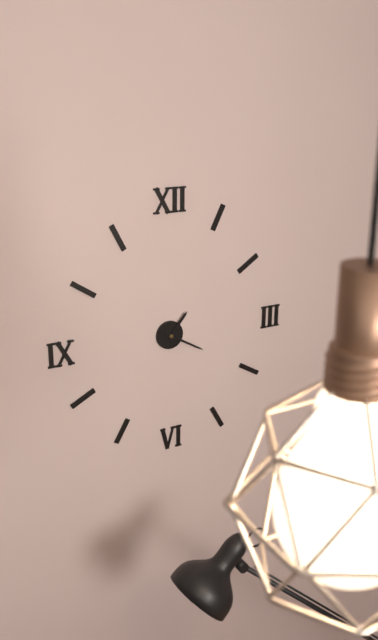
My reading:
1:20
